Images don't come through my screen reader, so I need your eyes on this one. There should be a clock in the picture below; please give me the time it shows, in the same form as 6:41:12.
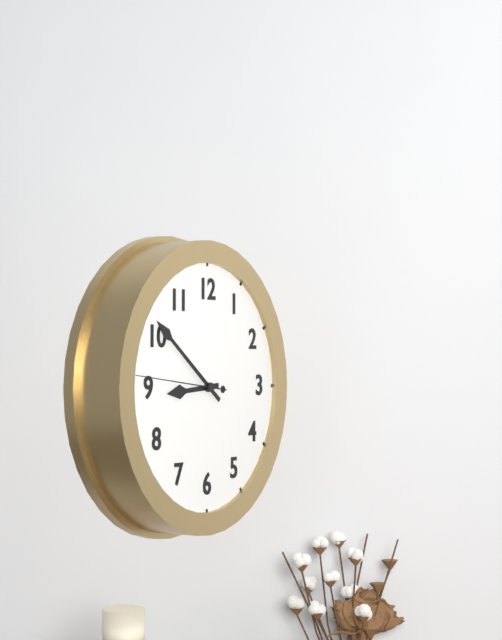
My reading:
8:51:46
